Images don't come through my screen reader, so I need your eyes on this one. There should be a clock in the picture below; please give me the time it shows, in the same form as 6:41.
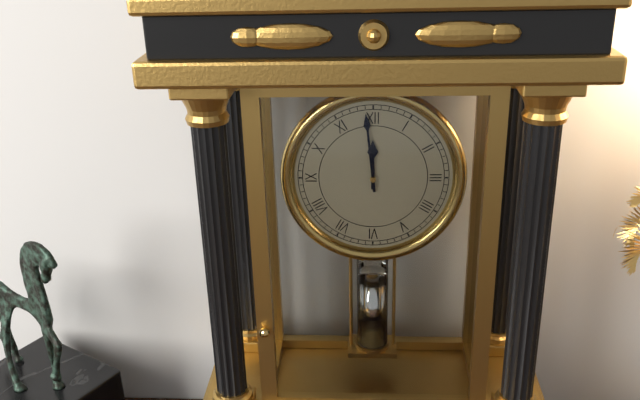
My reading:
11:59
